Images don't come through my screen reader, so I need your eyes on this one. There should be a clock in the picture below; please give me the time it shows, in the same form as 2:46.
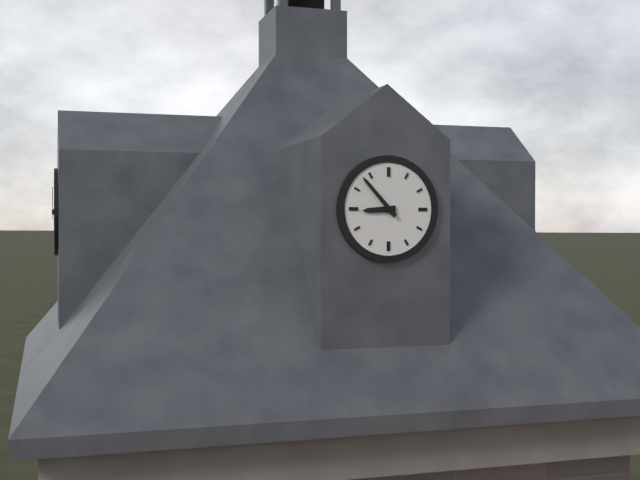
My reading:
8:53
